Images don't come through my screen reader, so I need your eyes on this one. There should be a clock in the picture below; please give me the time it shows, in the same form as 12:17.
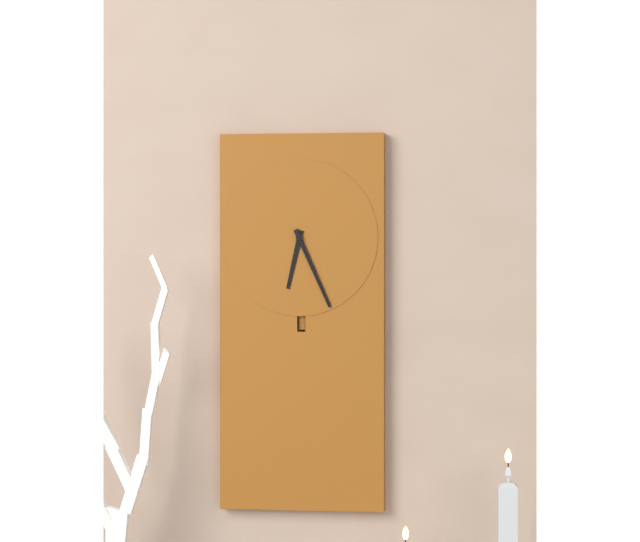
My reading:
6:26
